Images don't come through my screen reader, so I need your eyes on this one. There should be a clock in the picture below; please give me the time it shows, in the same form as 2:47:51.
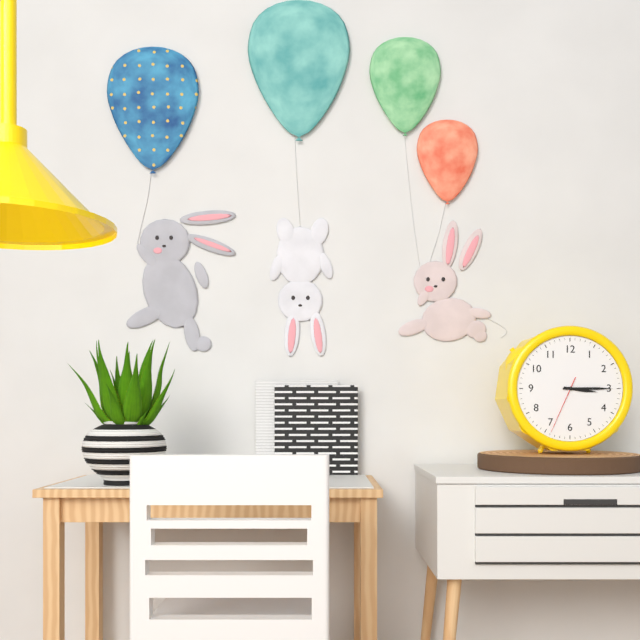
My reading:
3:15:34
